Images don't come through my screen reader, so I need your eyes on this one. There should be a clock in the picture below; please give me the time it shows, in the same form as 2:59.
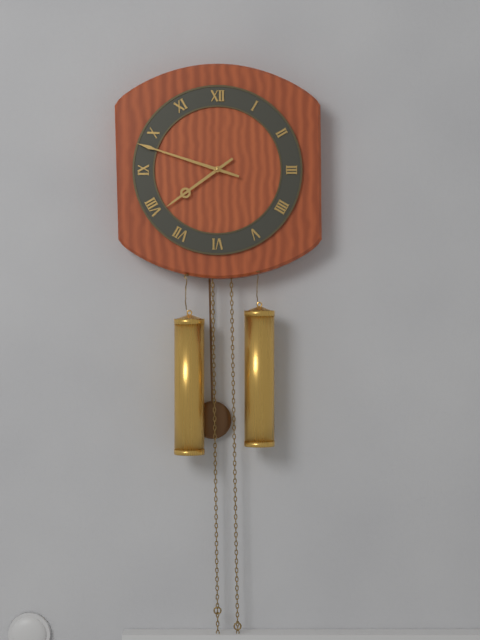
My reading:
7:48
